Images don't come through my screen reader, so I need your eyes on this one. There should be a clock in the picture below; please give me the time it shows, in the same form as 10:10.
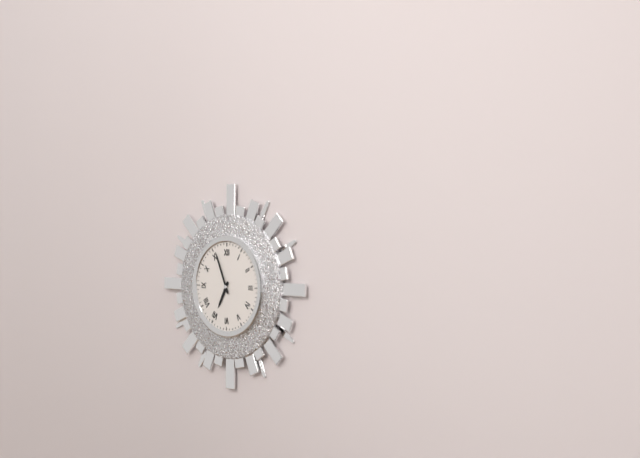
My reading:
6:56
